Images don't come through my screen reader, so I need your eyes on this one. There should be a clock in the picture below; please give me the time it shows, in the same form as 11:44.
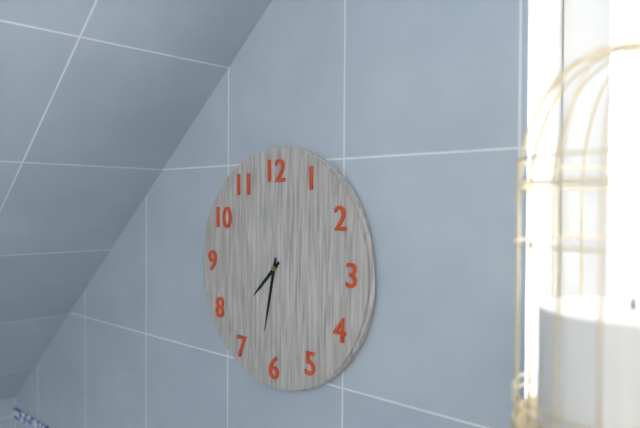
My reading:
7:32
